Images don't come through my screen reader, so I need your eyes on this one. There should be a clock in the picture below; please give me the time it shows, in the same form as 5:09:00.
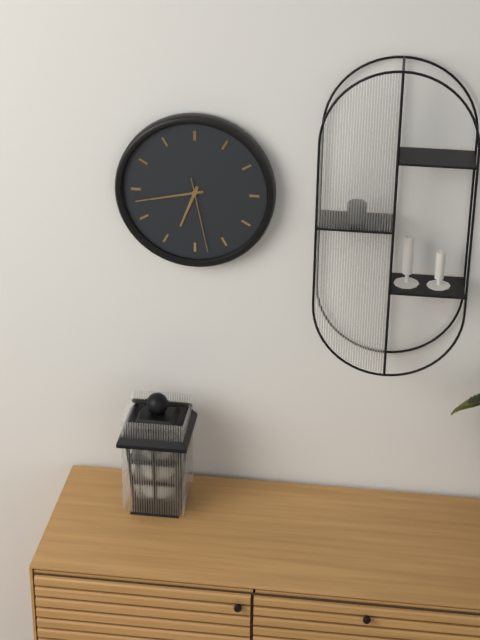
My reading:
6:43:28
